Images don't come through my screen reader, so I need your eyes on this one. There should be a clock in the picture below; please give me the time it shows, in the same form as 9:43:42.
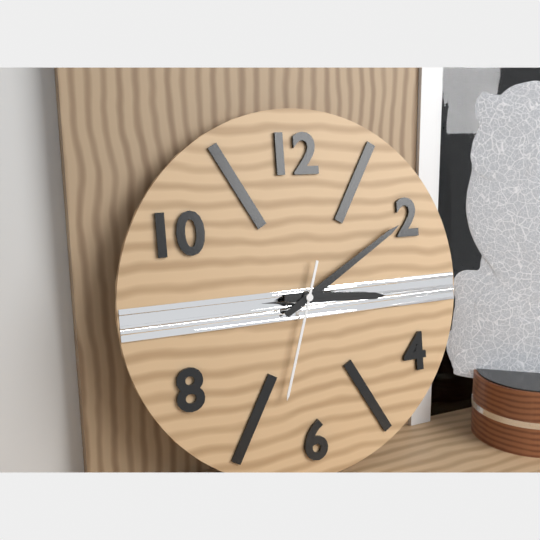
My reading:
3:10:33
